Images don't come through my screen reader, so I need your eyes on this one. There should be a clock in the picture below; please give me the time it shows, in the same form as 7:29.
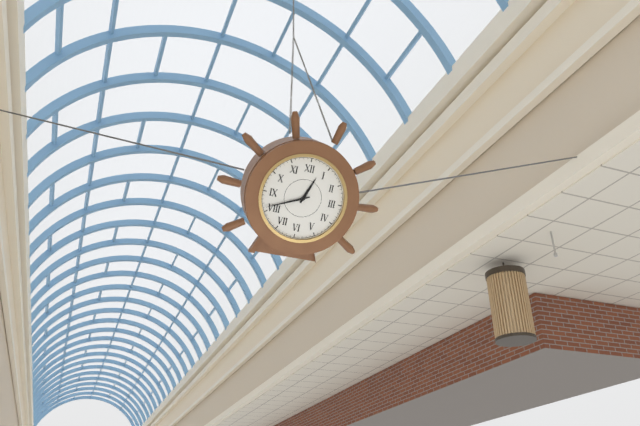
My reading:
12:41
